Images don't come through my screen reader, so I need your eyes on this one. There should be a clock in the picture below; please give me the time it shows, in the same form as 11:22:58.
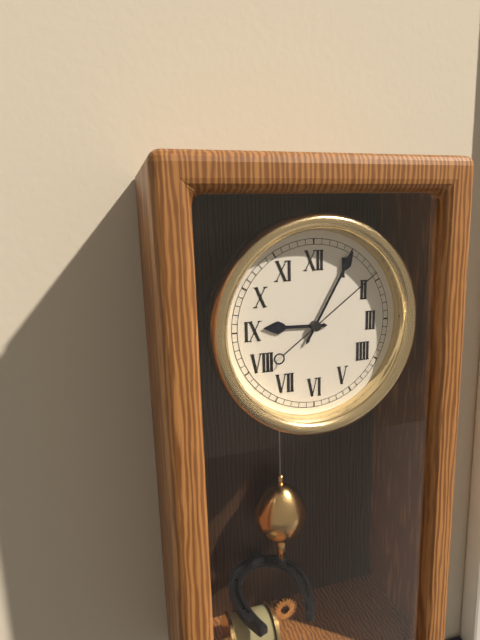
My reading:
9:05:09
